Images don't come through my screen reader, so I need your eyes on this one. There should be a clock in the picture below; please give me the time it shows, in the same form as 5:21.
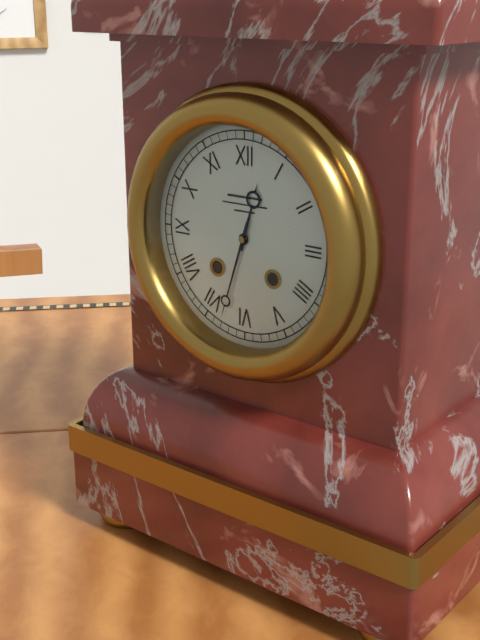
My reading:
12:33
